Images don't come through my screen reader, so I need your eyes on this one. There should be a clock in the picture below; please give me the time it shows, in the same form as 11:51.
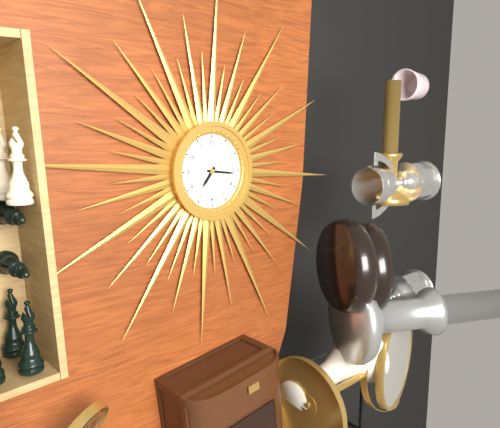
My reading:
7:16
